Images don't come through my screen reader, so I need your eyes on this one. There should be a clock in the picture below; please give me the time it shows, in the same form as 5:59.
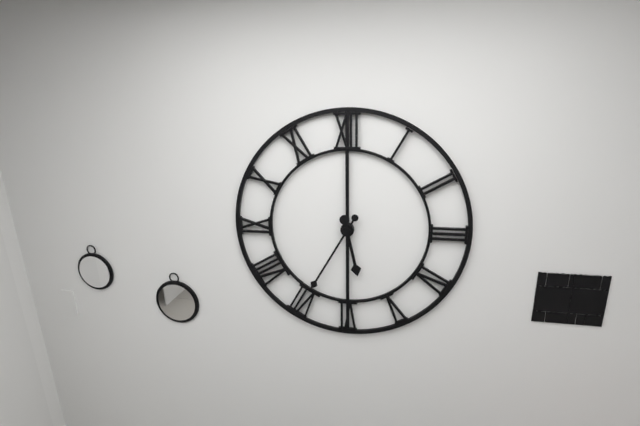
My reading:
5:35
